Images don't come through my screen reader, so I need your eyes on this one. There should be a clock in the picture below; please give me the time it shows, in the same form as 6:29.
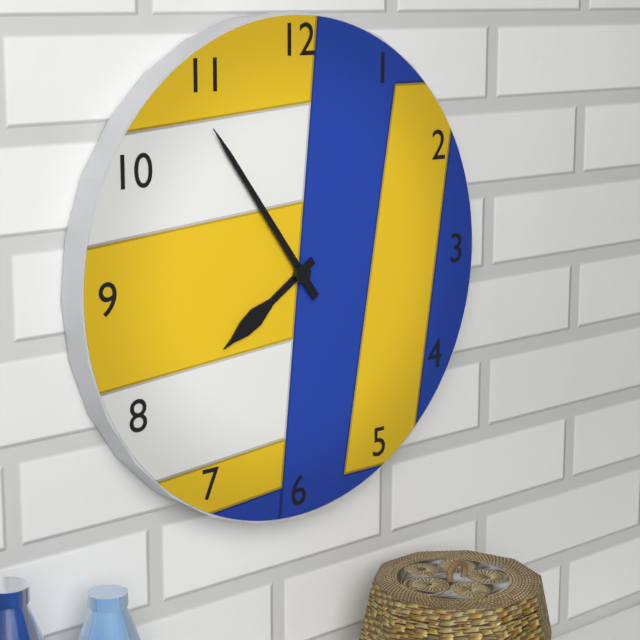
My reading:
7:54
